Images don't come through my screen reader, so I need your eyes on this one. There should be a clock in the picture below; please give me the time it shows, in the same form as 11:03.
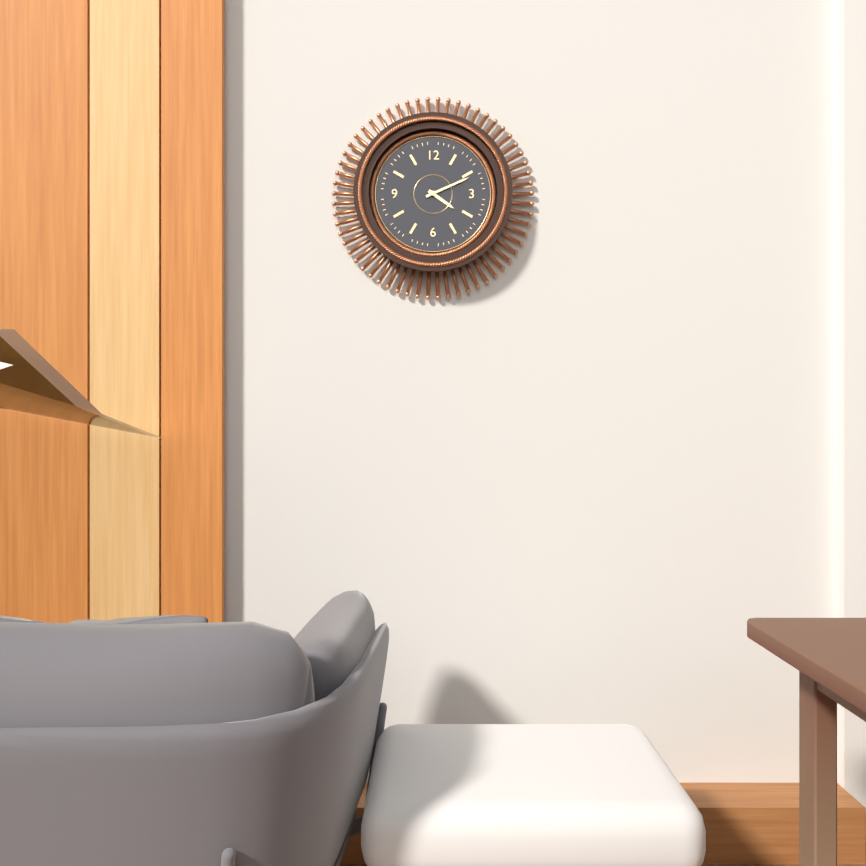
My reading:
4:11
